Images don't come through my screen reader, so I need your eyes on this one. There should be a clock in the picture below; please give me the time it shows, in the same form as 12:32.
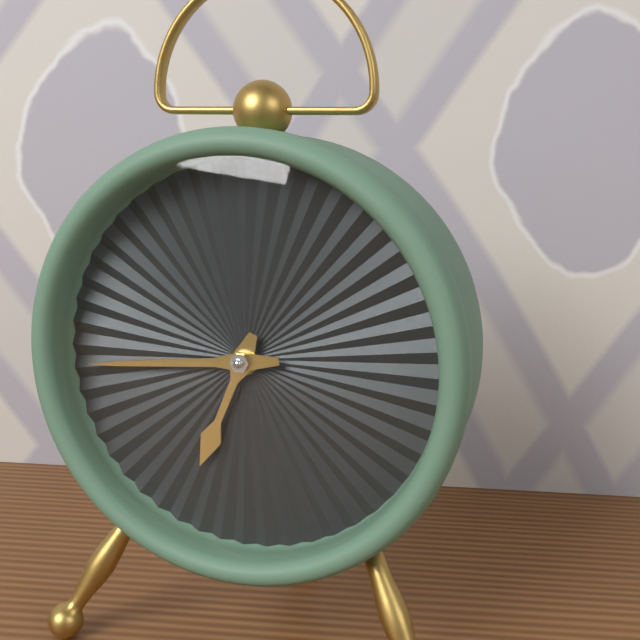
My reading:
6:44
